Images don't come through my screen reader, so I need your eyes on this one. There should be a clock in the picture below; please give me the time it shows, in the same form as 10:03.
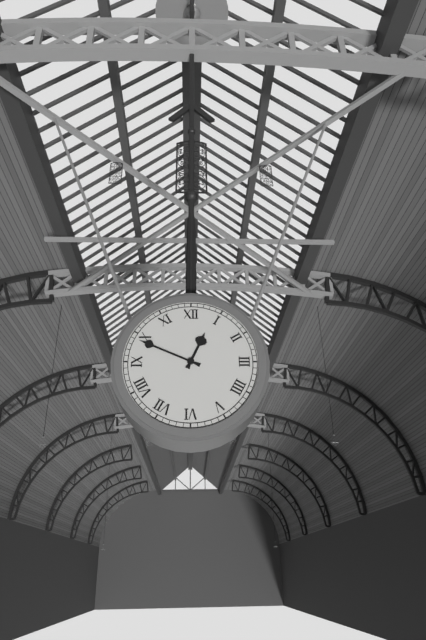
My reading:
12:49
